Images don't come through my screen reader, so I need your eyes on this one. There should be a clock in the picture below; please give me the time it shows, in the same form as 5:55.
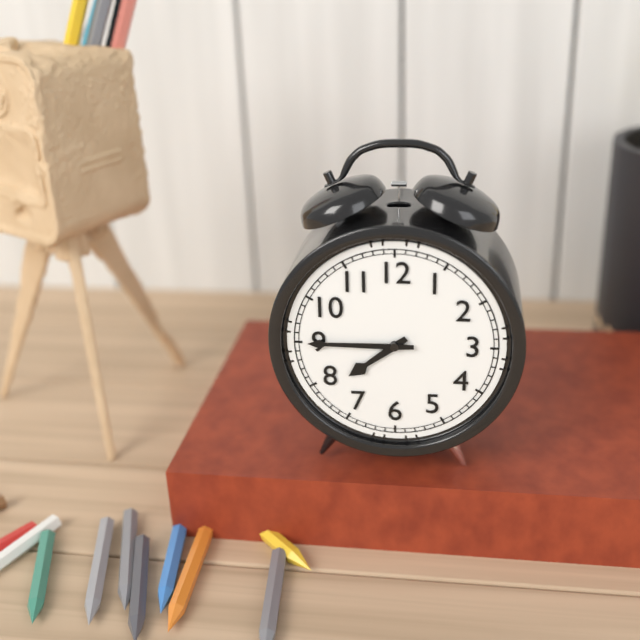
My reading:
7:45
